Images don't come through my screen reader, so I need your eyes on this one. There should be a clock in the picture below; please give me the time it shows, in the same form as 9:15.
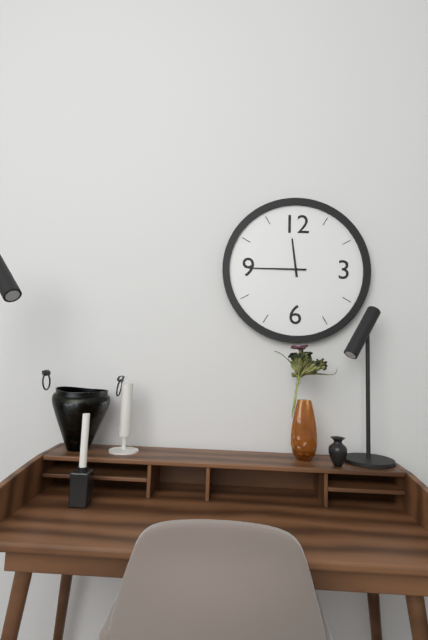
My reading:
11:45
